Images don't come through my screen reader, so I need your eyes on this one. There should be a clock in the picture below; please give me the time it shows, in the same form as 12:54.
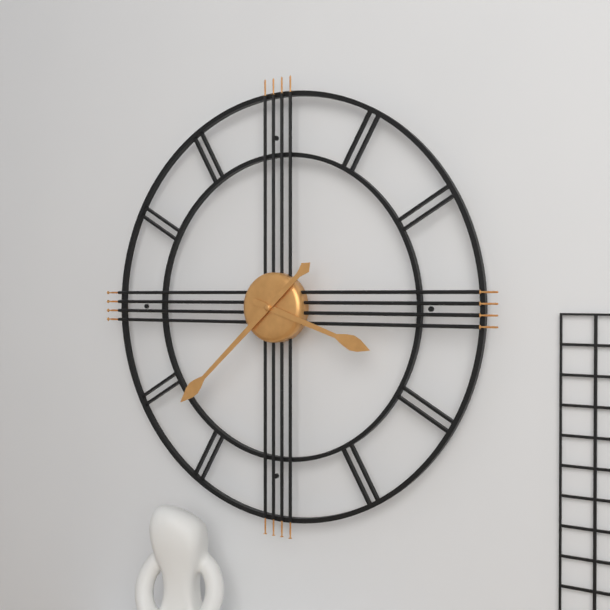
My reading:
3:38
